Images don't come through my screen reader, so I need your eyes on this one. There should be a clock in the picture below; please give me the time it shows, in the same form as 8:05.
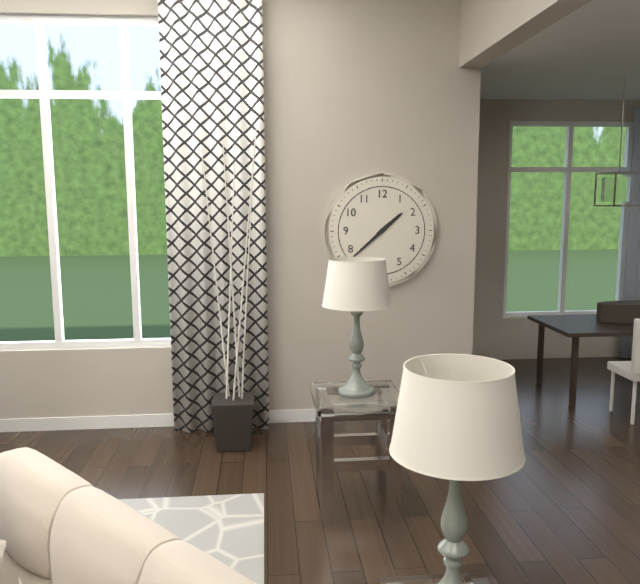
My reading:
1:38
